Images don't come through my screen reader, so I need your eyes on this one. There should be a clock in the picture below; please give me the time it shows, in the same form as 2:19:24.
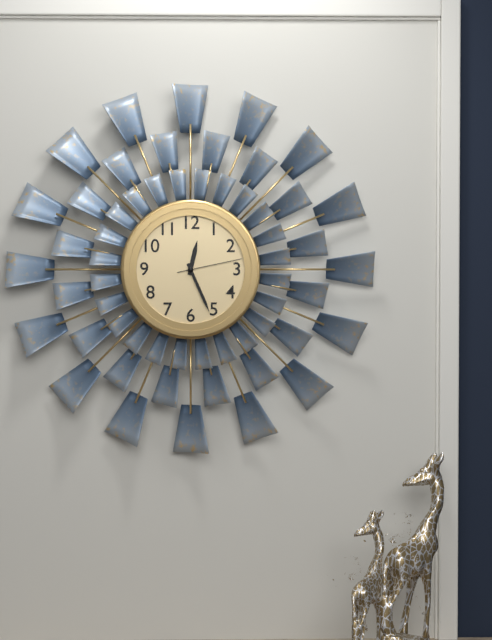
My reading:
12:26:13
